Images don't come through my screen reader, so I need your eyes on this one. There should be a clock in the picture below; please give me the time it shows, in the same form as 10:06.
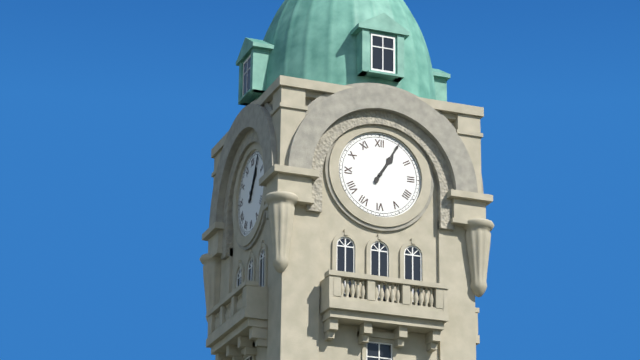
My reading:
1:05
